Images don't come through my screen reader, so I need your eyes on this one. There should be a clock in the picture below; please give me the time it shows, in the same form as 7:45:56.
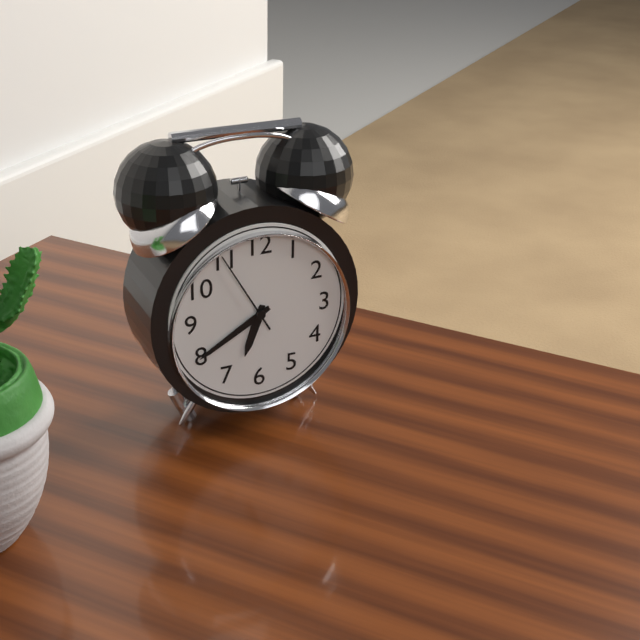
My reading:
6:40:55
